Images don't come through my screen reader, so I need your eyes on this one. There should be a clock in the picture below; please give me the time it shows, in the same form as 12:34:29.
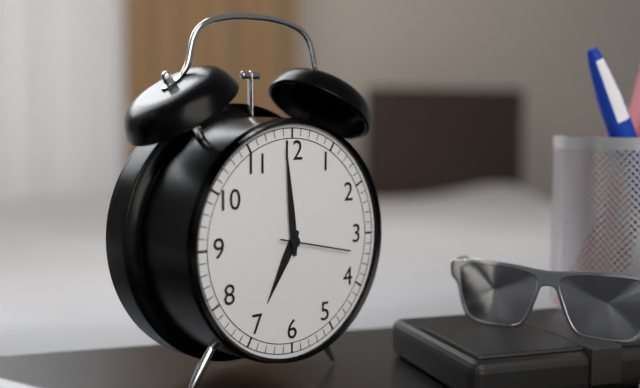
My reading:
6:59:17
